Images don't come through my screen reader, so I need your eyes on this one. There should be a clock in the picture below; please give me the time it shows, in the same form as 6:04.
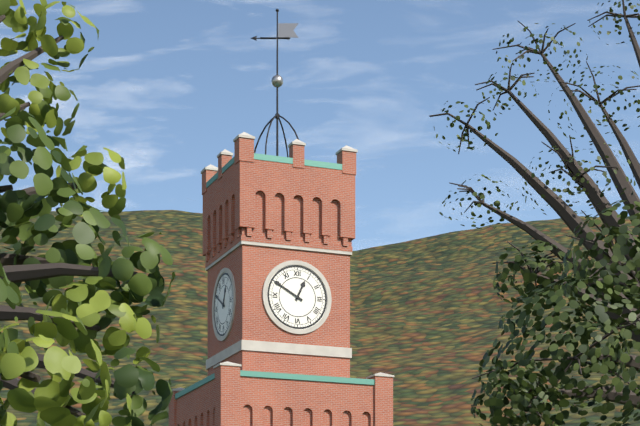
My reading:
12:50
